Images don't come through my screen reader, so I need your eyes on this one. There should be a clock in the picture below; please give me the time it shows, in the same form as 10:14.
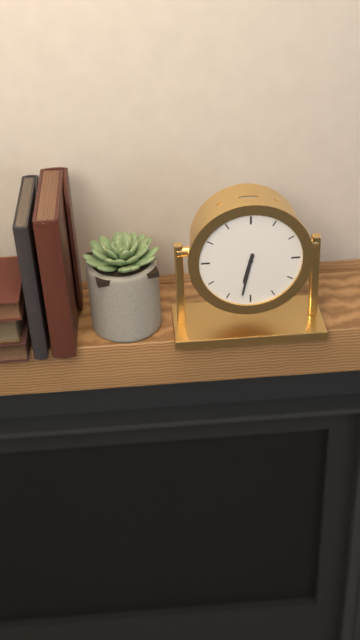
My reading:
6:32
